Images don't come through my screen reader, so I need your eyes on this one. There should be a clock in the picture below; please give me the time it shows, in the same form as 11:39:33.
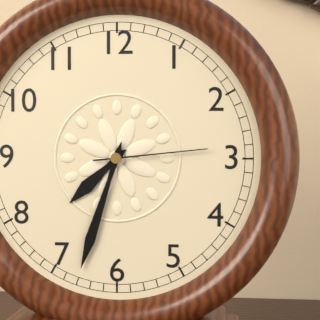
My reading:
7:33:14
